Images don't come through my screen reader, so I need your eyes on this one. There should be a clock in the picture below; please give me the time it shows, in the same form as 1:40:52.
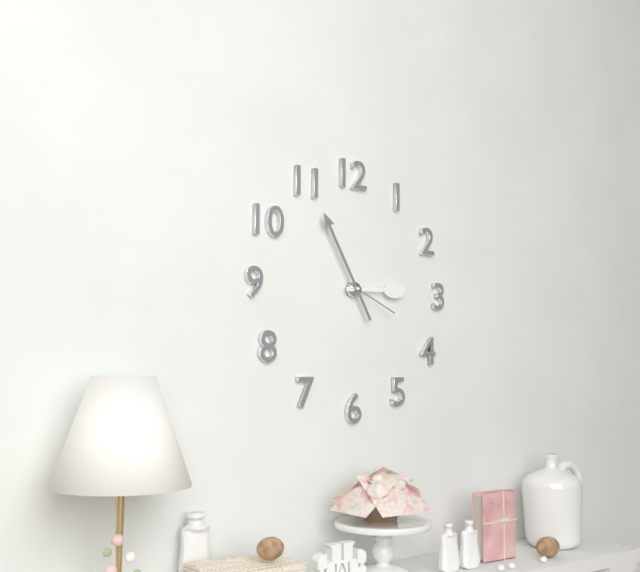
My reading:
2:55:19
